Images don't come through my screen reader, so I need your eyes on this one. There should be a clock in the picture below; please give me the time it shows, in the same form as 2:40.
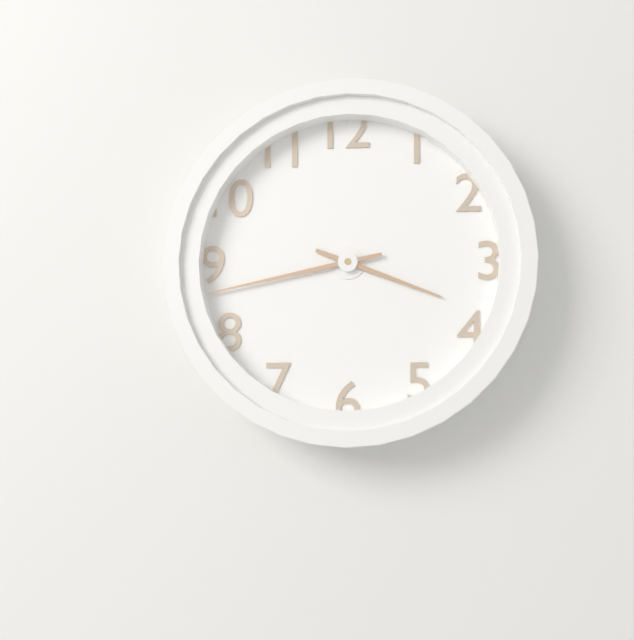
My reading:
3:43
